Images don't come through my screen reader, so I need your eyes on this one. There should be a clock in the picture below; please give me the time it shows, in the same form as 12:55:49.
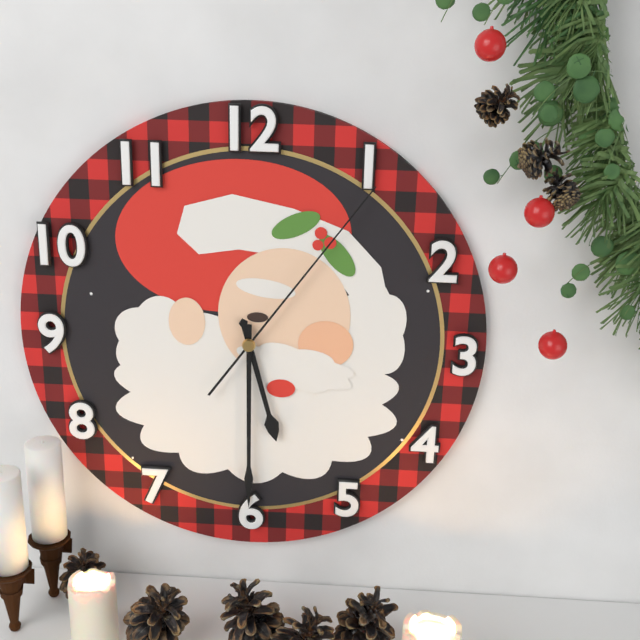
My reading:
5:30:06
